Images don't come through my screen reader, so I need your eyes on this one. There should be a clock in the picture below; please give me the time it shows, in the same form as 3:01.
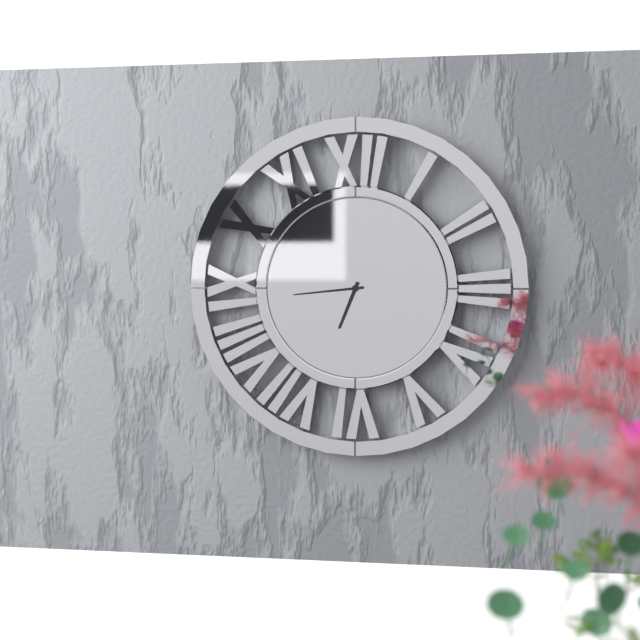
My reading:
6:44
